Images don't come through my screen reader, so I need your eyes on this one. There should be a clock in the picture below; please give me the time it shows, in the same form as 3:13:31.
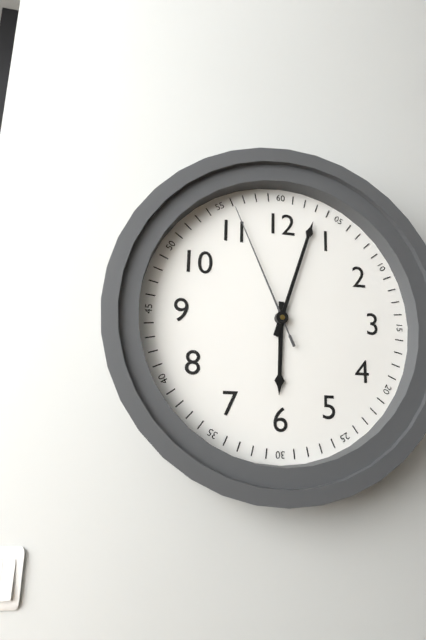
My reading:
6:03:56
